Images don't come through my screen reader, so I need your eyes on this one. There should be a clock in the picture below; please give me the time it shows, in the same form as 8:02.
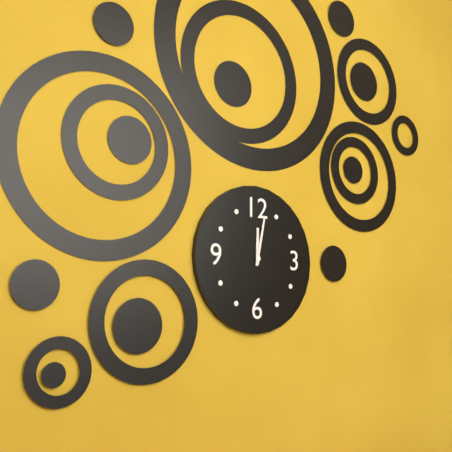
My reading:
12:02
